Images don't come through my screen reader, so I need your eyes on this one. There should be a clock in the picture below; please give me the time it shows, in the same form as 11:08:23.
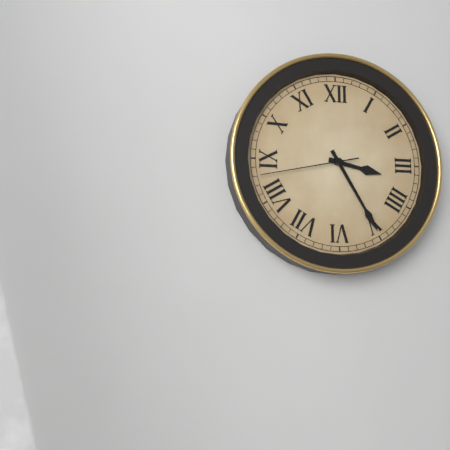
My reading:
3:25:43
